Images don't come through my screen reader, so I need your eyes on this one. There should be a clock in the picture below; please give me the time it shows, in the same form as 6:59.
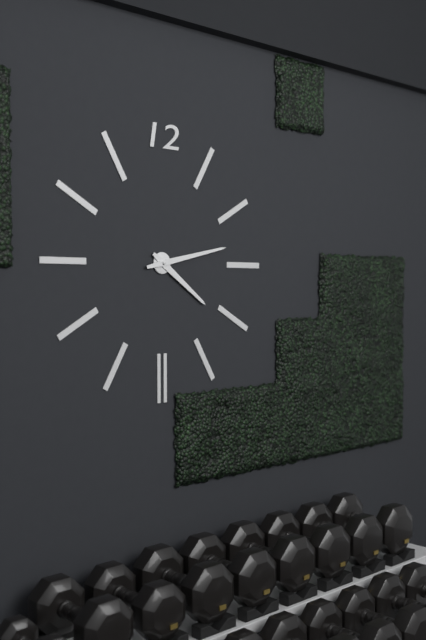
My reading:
4:13
